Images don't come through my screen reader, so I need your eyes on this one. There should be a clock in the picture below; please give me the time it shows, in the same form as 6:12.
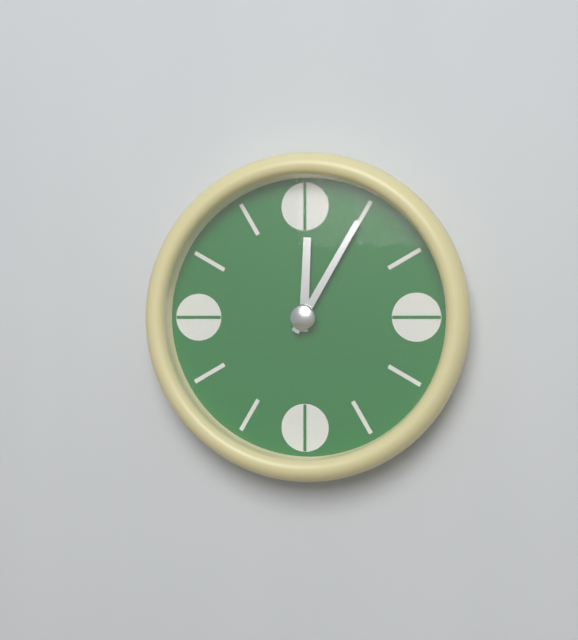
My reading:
12:05
